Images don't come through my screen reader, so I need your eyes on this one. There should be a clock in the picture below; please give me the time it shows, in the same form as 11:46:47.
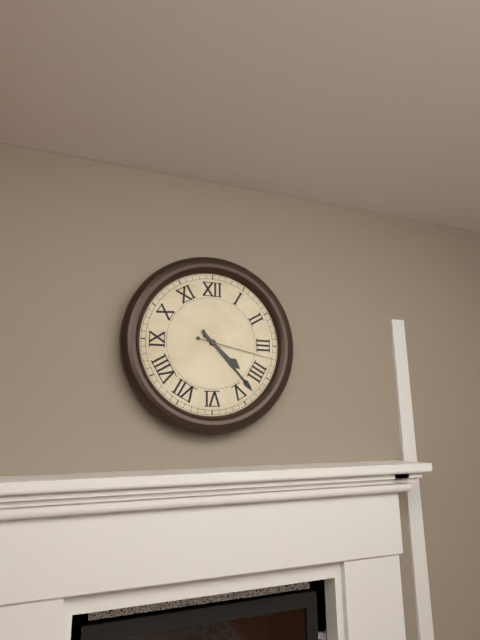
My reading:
4:23:17
